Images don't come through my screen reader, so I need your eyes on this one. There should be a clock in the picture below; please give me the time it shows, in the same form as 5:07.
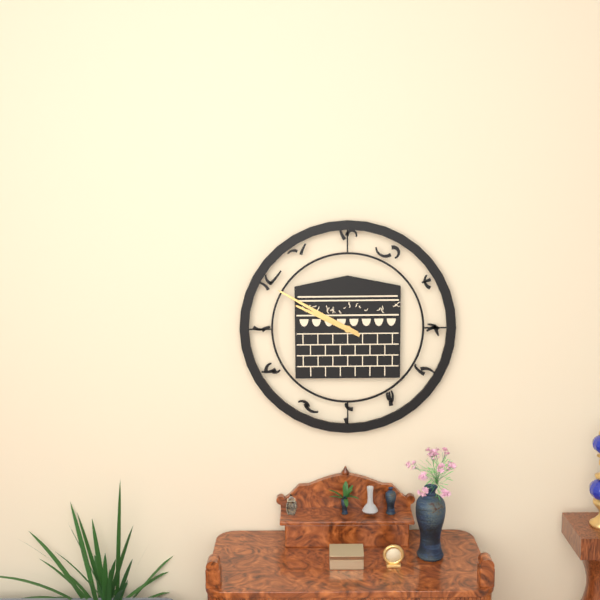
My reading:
9:50
